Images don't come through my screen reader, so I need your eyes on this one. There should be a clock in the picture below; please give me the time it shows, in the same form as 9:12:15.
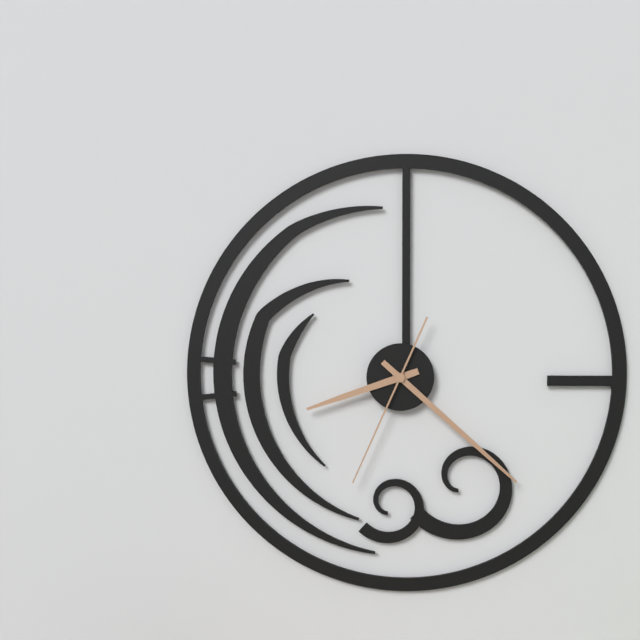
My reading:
8:22:34
